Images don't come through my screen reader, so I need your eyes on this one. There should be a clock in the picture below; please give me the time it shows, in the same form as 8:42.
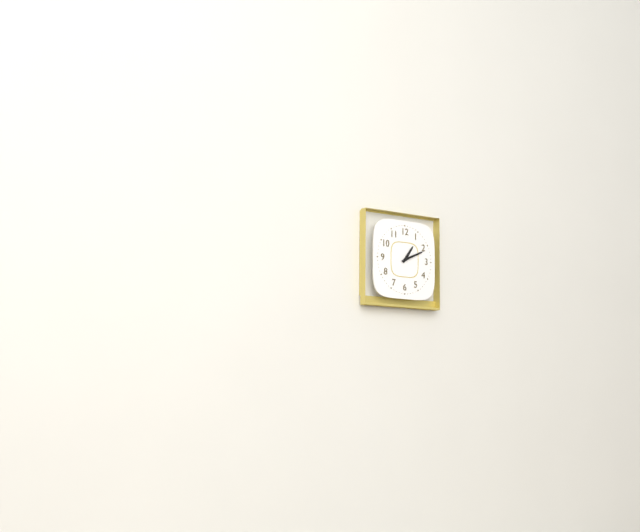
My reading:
1:11
